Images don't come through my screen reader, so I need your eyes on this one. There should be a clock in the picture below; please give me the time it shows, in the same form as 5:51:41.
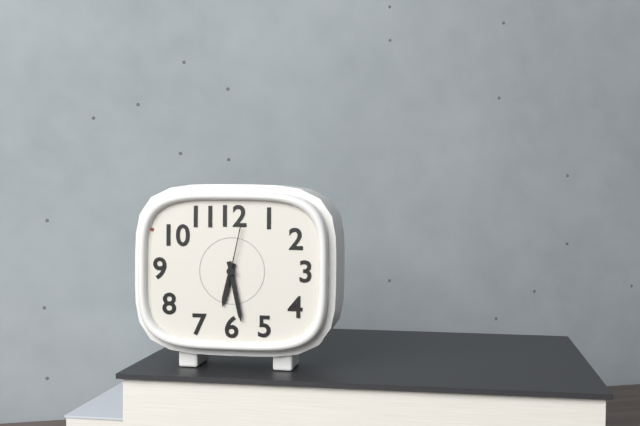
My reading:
6:28:02
